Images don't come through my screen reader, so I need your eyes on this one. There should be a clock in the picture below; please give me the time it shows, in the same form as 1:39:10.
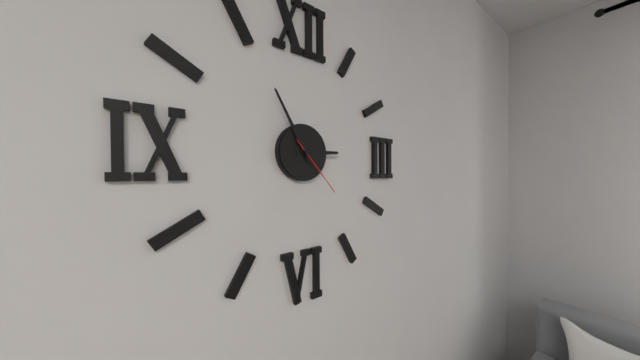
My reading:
2:55:23
